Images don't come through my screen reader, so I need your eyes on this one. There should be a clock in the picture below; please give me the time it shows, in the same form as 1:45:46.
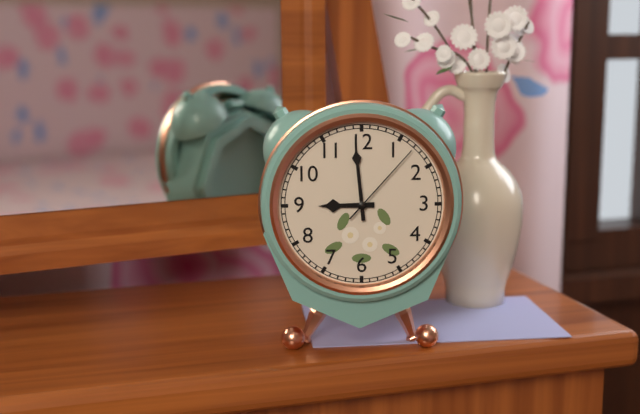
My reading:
8:59:07
